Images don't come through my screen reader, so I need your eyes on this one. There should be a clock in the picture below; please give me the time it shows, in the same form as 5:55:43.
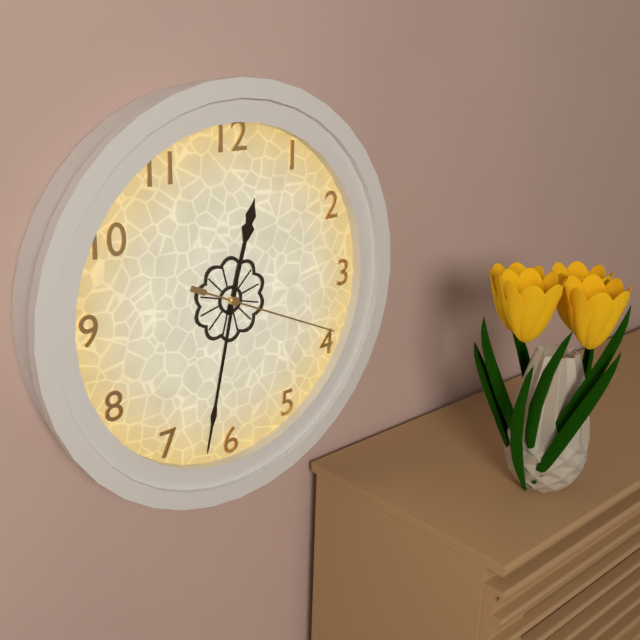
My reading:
12:32:19
